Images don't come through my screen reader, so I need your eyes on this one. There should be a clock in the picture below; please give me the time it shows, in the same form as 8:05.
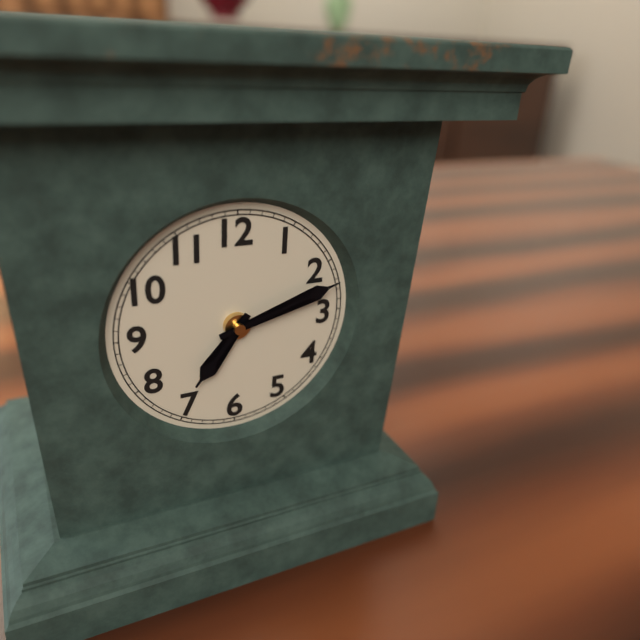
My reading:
7:12
